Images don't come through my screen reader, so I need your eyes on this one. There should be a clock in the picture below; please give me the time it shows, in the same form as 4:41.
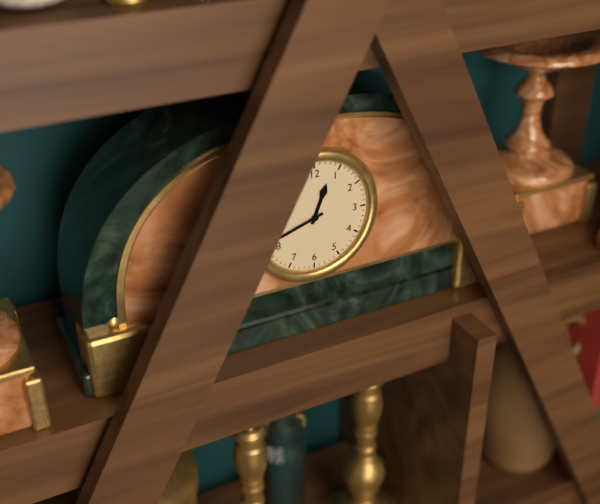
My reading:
12:42
